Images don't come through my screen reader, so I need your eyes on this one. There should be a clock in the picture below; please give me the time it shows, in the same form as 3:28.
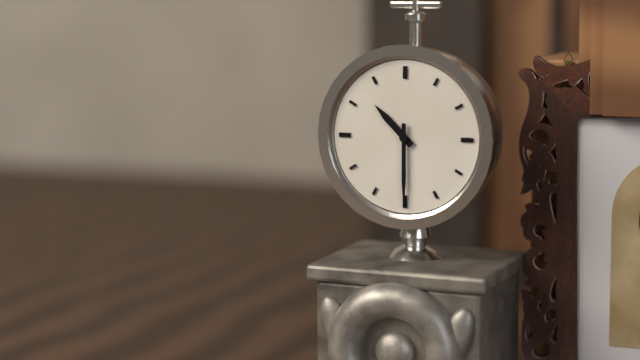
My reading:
10:30
